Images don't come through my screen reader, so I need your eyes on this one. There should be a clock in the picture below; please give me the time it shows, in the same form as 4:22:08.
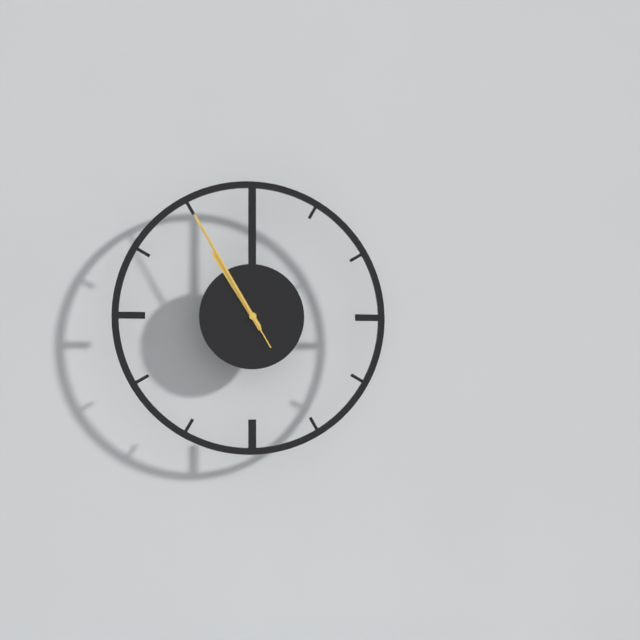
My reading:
10:55:55
